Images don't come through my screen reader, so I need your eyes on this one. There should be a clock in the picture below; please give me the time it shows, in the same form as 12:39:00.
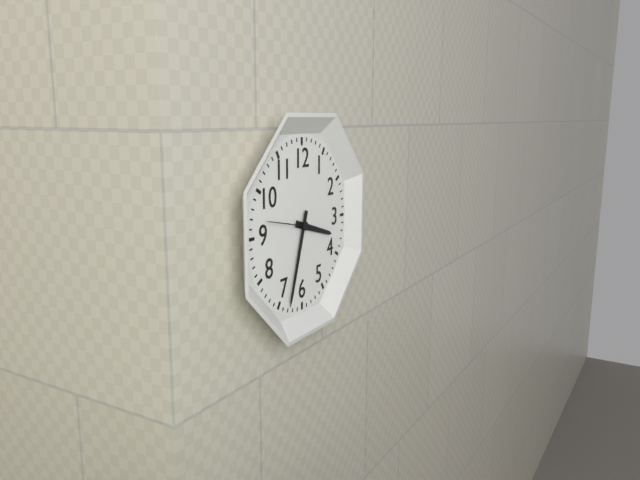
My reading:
3:33:47
